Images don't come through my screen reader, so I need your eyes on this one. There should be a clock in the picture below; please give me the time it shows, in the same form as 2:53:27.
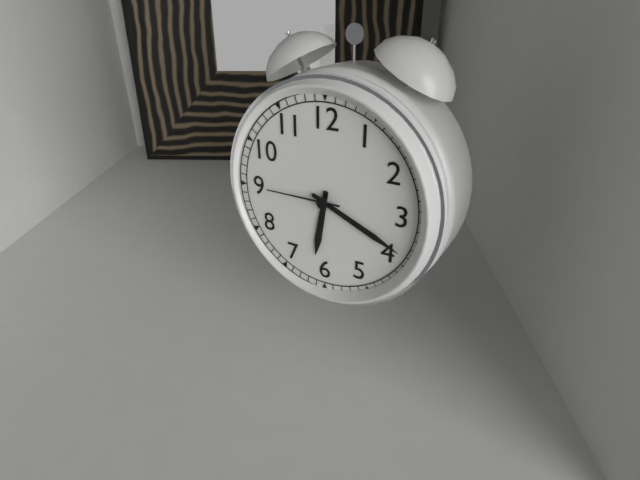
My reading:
6:19:45
